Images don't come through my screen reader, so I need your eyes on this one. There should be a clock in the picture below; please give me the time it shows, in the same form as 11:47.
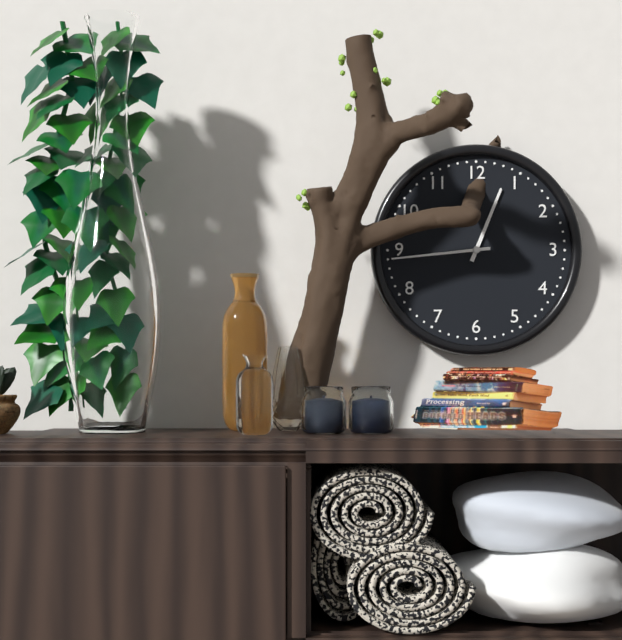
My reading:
12:44
